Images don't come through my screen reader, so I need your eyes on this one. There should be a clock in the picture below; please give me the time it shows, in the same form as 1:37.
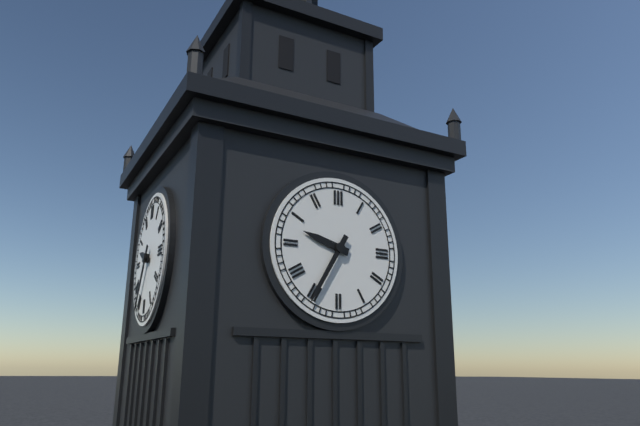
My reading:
9:35
